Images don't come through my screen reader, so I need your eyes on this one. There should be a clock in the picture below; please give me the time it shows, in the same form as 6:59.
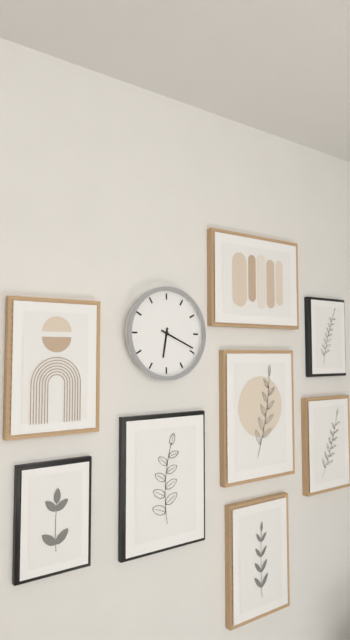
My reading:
6:19
